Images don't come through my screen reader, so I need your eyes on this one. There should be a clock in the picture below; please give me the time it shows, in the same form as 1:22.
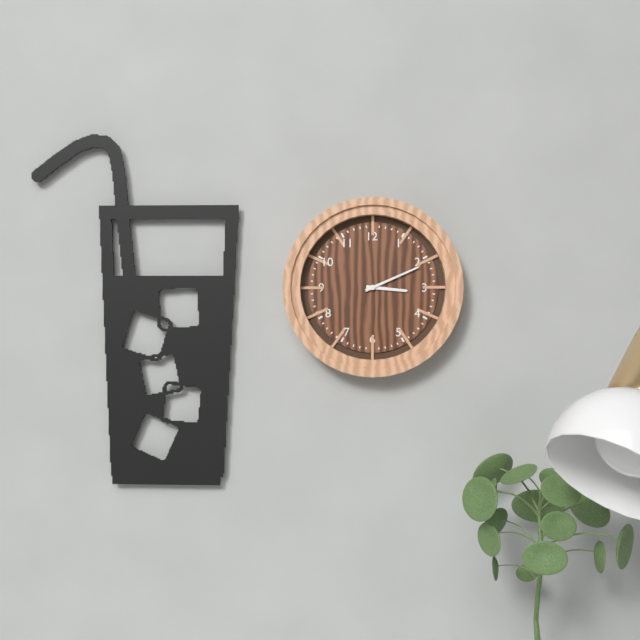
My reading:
3:11
